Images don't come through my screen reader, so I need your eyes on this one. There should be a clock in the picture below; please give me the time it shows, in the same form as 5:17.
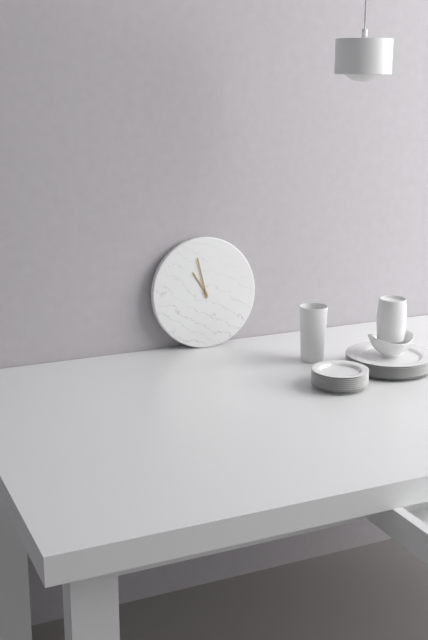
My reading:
10:58
